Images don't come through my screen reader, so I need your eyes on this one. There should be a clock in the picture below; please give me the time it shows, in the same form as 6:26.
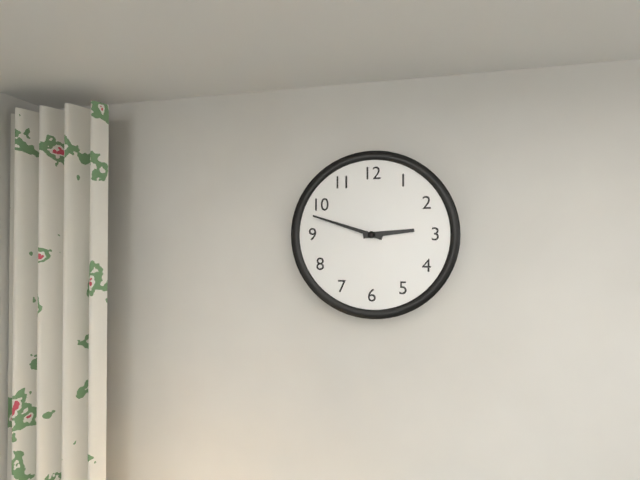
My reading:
2:48
